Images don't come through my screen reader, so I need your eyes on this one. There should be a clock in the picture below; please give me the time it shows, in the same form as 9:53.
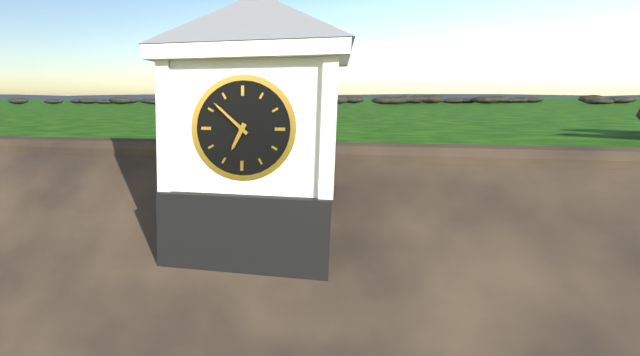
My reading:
6:52
